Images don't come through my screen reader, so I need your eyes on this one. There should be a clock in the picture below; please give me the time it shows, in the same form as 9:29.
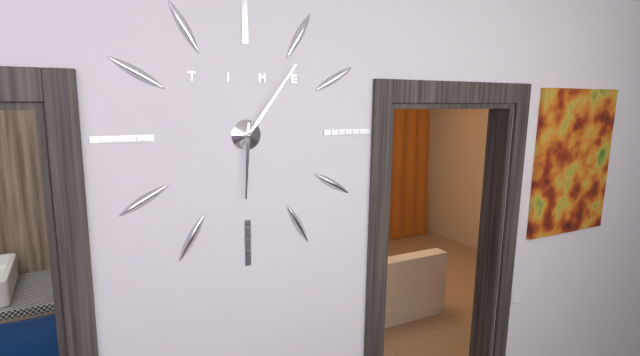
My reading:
6:06
